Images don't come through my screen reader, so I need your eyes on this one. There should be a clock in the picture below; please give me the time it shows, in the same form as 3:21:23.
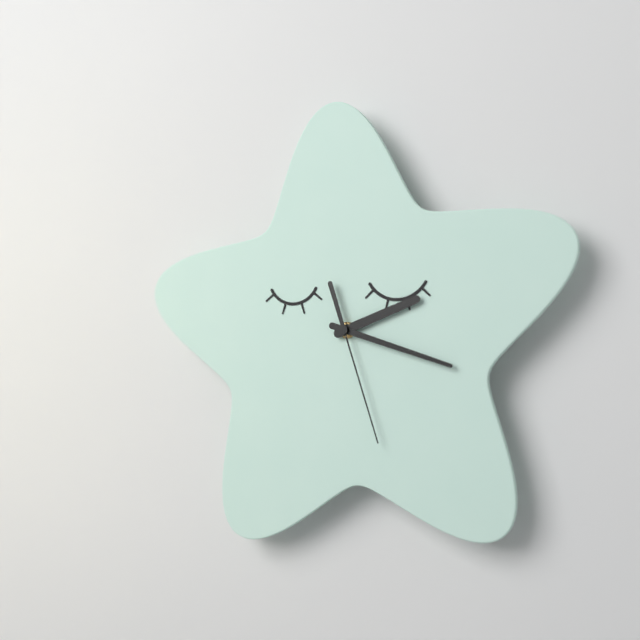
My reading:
2:18:27
